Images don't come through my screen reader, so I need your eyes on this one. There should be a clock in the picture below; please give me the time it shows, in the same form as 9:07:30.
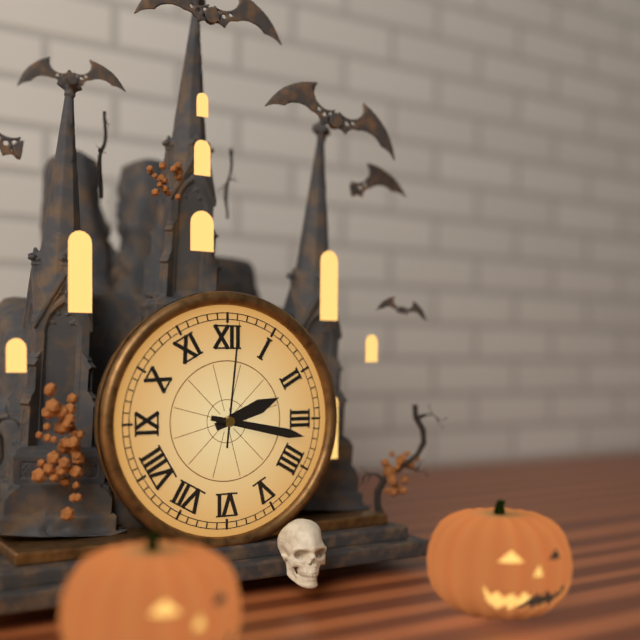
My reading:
2:17:01
